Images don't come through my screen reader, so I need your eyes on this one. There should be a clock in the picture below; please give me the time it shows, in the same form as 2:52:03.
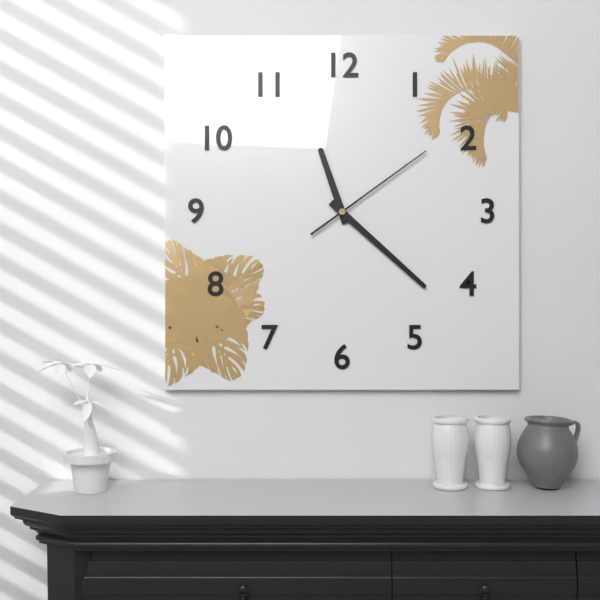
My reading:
11:22:09
